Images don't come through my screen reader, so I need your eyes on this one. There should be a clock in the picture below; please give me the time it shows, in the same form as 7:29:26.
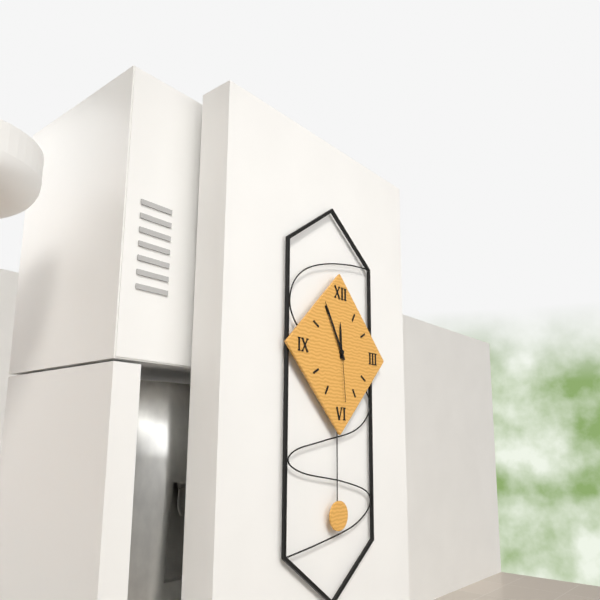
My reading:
11:55:29
